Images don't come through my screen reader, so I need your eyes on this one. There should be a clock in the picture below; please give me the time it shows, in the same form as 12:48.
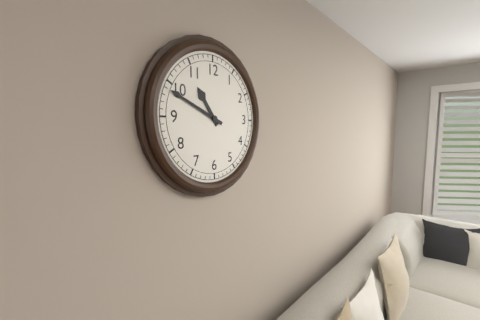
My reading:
10:49
